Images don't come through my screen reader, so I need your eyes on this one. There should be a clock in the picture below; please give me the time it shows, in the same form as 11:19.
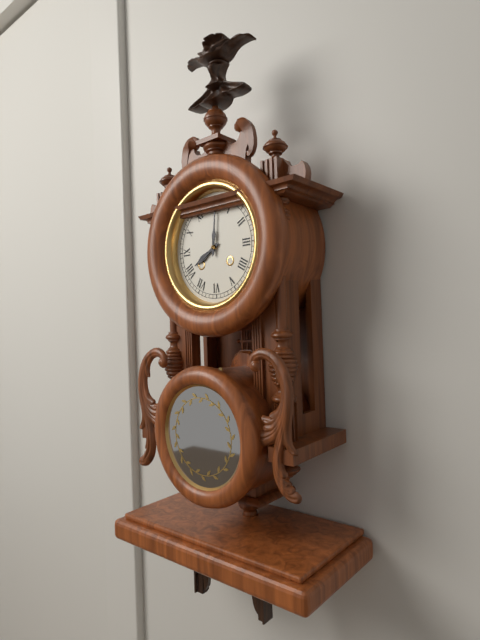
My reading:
8:01
